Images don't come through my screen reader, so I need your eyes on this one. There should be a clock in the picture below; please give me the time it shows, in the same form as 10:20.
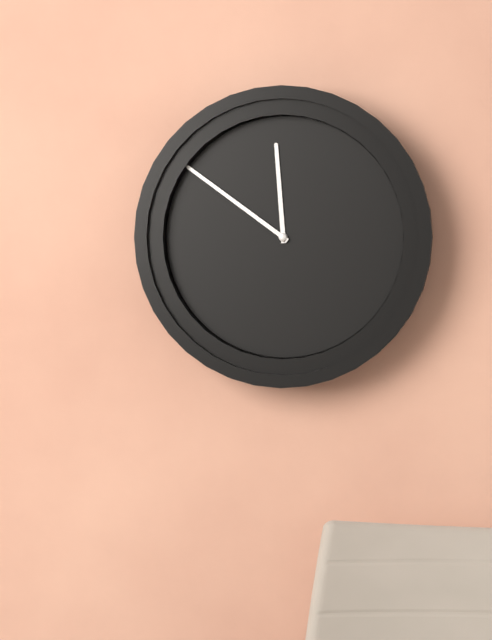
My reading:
11:51
